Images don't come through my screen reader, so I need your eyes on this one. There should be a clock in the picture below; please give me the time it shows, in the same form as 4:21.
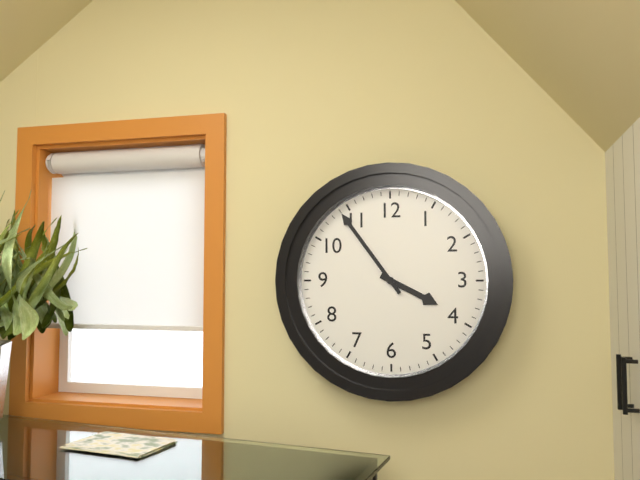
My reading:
3:54
